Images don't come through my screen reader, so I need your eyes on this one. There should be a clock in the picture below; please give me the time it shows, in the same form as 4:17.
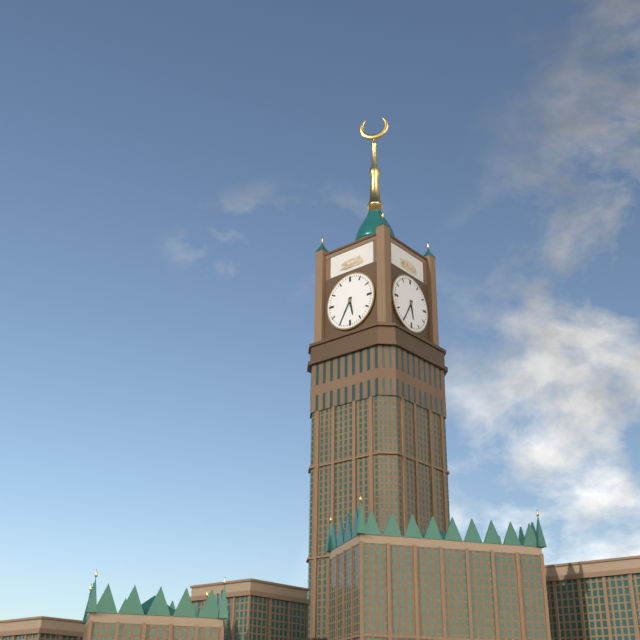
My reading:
5:35
